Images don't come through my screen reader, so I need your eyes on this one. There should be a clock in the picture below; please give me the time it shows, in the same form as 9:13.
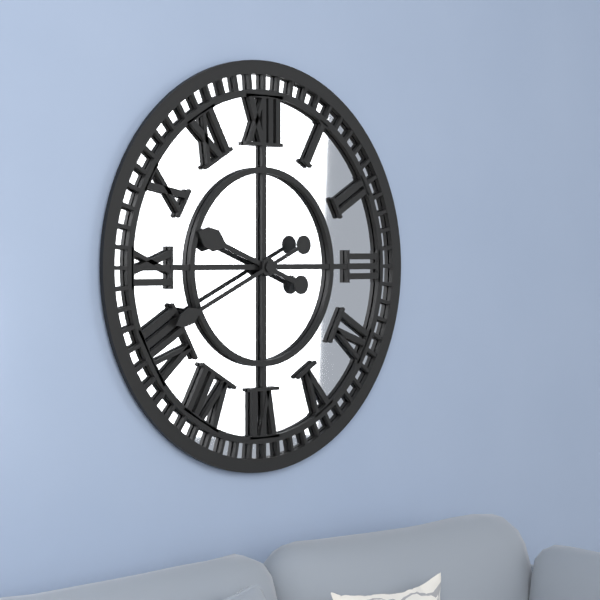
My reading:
9:41
